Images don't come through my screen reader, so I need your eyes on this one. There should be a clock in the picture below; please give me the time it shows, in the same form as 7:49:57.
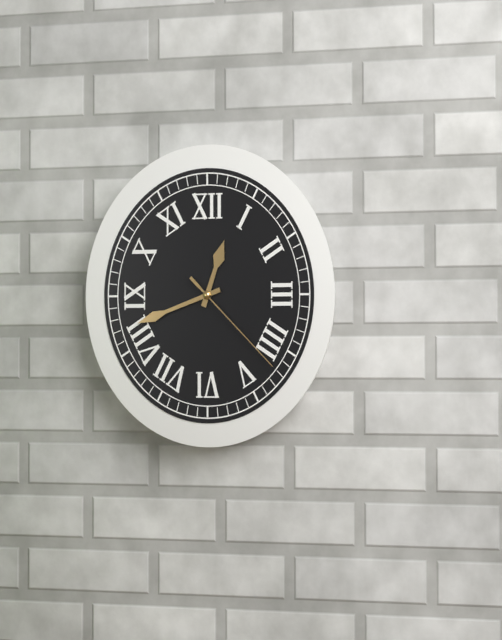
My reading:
12:42:22
